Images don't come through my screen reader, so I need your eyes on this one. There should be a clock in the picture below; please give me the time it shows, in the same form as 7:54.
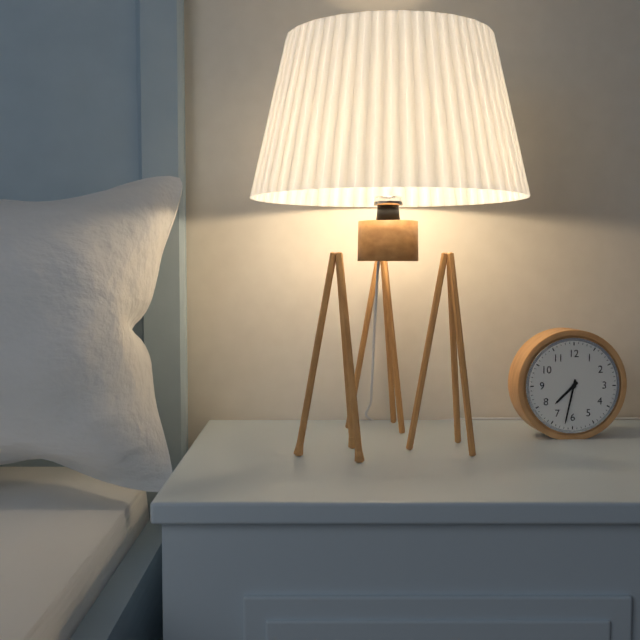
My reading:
7:32
